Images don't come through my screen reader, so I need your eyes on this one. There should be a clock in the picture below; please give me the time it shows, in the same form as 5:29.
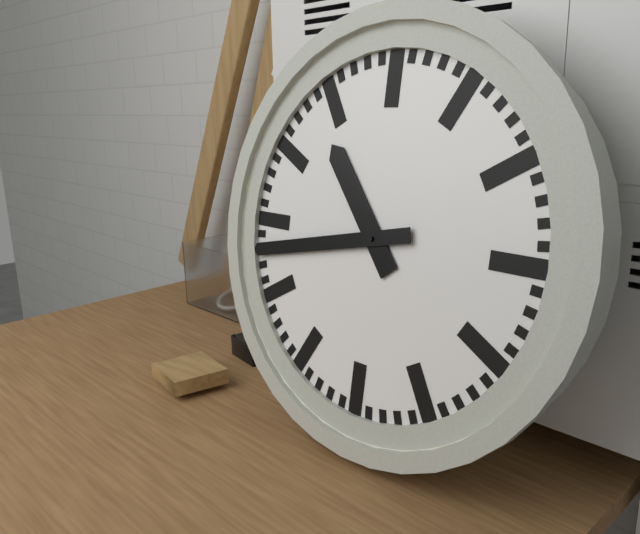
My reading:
10:43
